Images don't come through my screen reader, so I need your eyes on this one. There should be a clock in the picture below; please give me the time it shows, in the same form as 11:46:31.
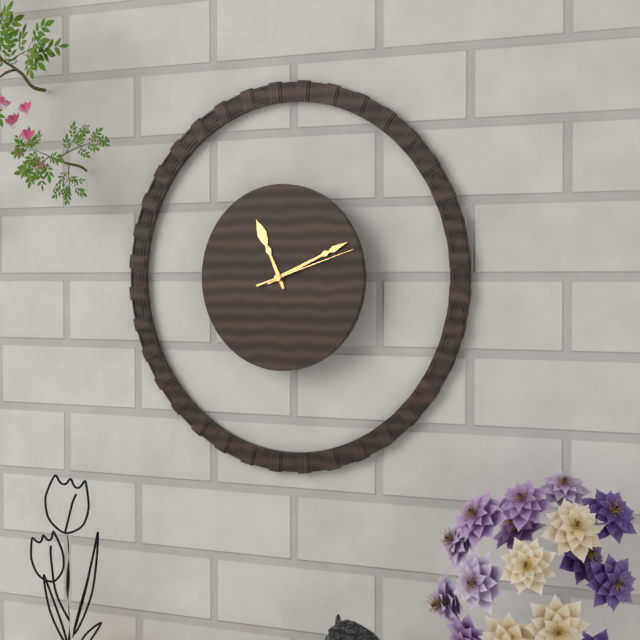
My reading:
11:11:12
